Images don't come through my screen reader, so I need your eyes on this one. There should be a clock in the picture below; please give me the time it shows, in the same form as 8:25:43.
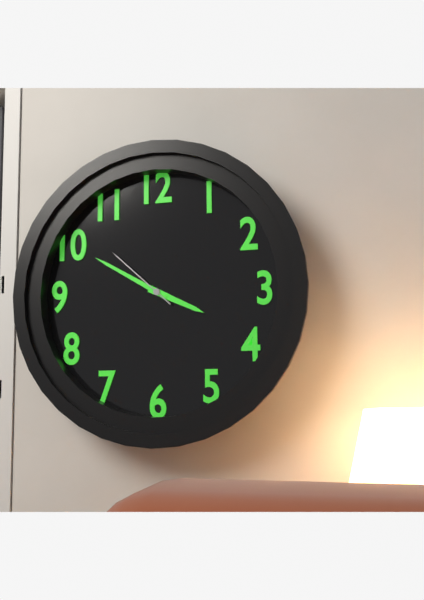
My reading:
3:50:52
